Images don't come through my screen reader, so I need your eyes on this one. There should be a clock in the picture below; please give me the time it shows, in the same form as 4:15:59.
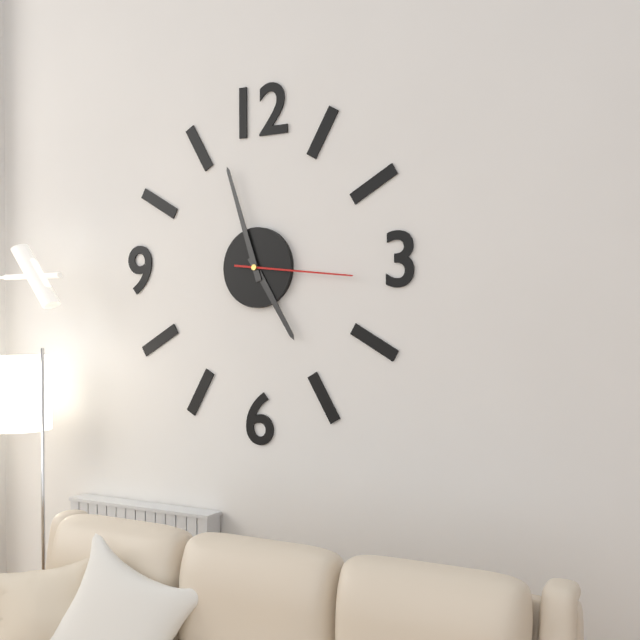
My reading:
4:57:16
